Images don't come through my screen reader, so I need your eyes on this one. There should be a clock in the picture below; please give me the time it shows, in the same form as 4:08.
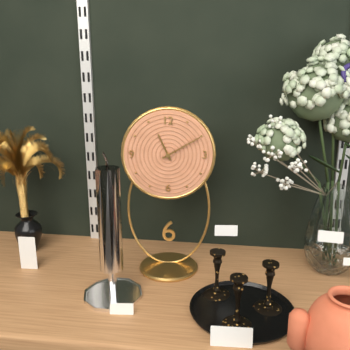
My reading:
11:10
